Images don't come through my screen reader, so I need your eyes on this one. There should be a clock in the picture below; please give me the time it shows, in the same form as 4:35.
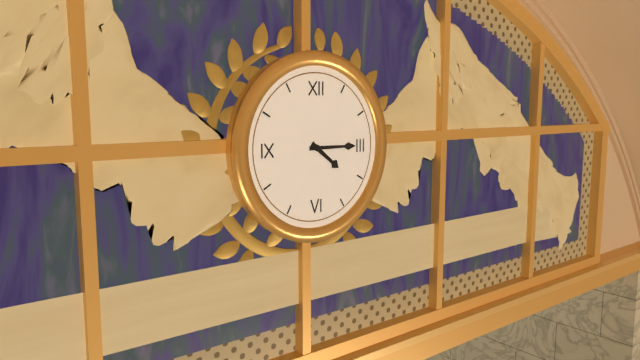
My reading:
4:15
